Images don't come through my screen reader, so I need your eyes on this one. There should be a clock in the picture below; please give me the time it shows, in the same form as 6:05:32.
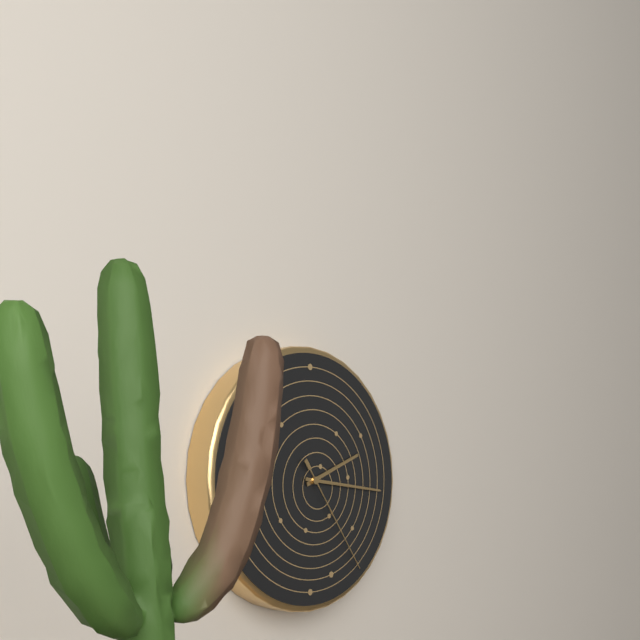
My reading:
2:16:24
